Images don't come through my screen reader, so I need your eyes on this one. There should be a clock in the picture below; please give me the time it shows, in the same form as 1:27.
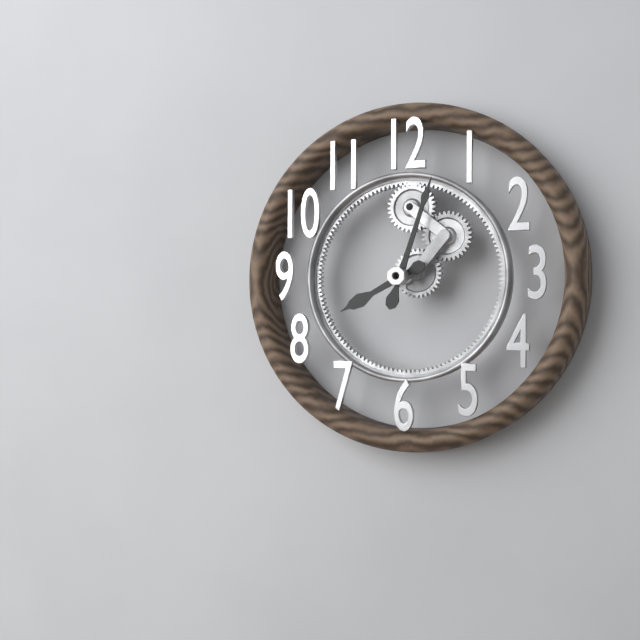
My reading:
8:03
